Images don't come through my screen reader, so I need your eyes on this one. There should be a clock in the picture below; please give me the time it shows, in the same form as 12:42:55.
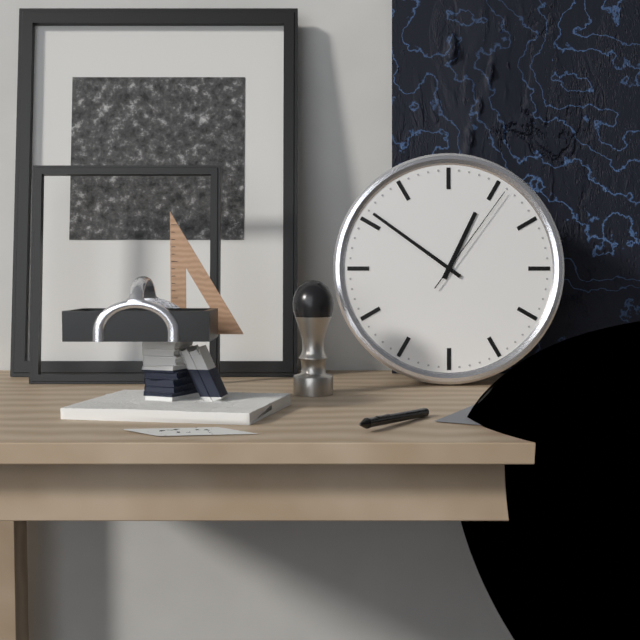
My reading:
12:51:06
